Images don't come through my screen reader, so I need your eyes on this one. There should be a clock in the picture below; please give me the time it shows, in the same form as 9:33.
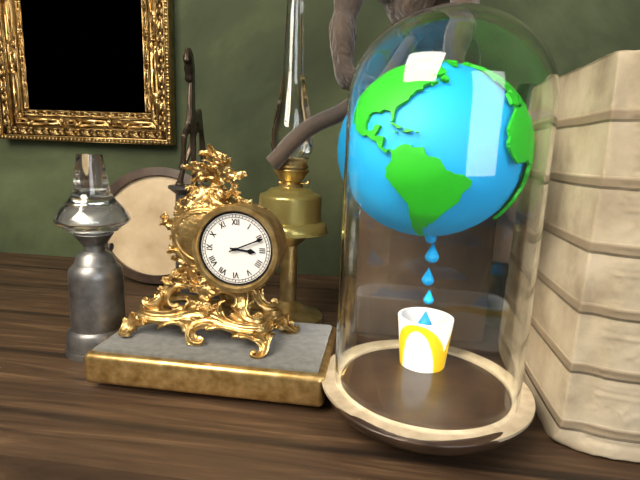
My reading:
3:11
